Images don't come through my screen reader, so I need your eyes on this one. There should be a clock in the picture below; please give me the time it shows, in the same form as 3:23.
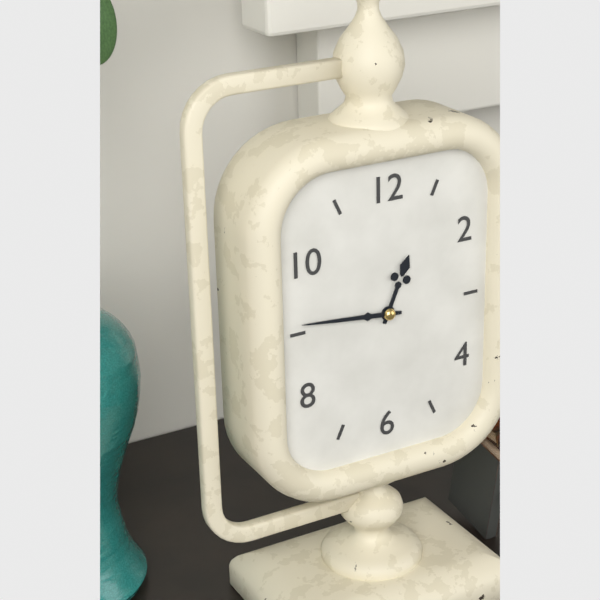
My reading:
12:46
